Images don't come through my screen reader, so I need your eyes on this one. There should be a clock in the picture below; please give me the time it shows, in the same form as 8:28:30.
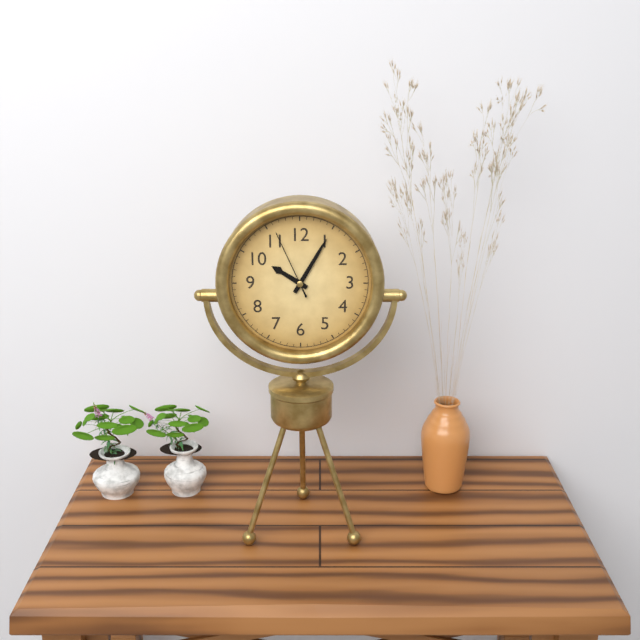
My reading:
10:05:56
